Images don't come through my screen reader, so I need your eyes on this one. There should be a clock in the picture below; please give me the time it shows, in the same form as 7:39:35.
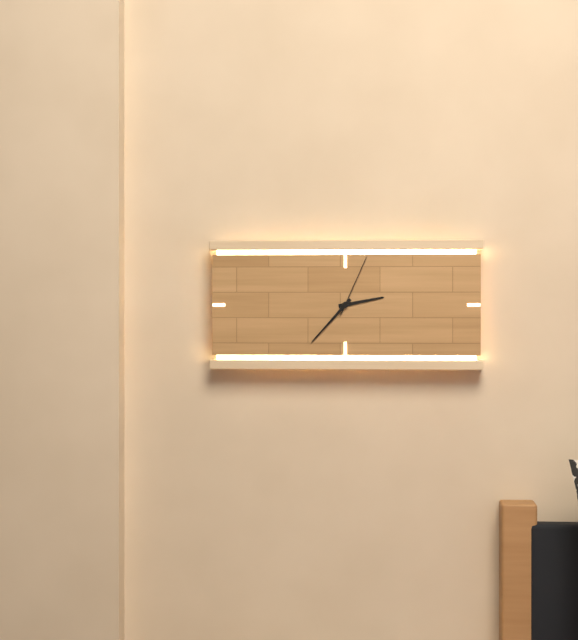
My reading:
2:37:04
